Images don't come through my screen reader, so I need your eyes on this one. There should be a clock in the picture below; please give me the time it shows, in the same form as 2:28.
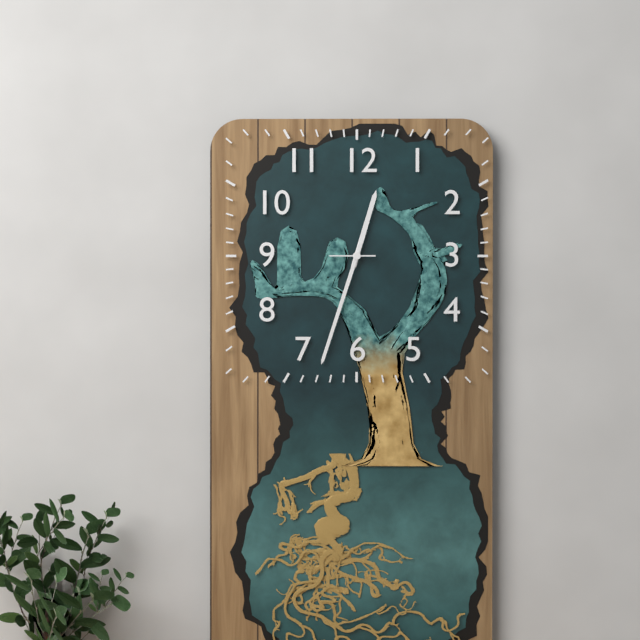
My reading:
12:33
